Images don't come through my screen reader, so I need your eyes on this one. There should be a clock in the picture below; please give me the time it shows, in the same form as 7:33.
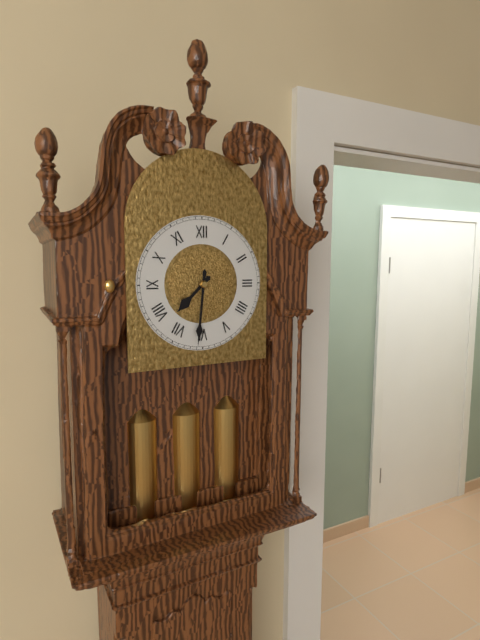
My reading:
7:31
